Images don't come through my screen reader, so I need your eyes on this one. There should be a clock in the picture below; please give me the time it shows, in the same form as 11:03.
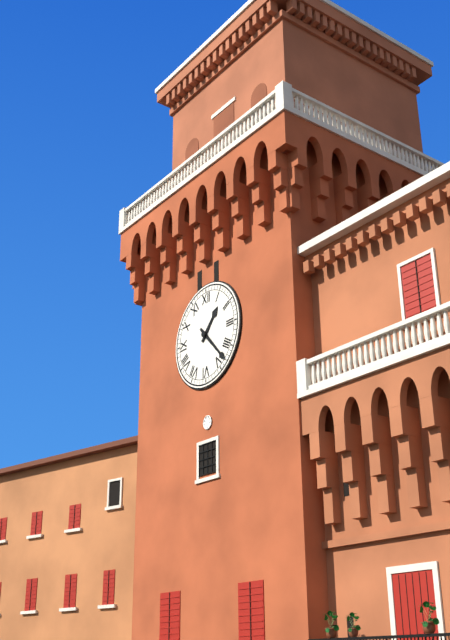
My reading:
1:23
